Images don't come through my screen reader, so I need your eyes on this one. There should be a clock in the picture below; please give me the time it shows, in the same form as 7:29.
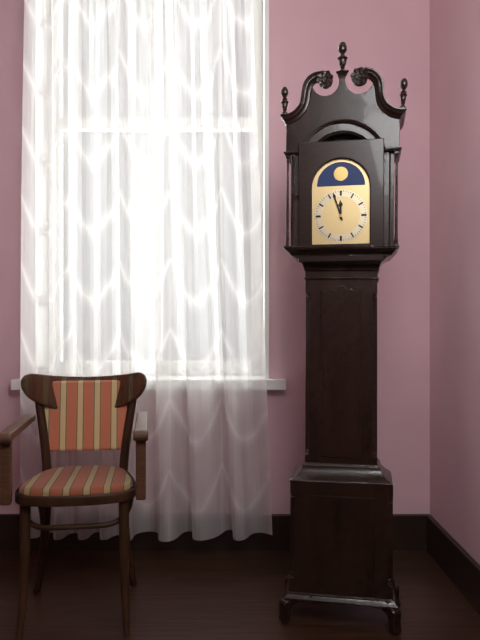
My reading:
11:57
